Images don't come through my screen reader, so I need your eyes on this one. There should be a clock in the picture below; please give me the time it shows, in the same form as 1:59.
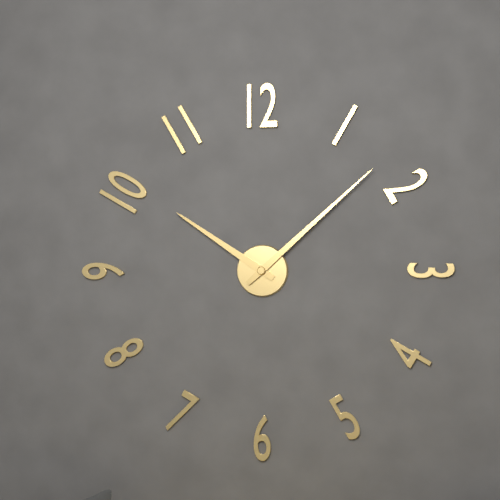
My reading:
10:08
